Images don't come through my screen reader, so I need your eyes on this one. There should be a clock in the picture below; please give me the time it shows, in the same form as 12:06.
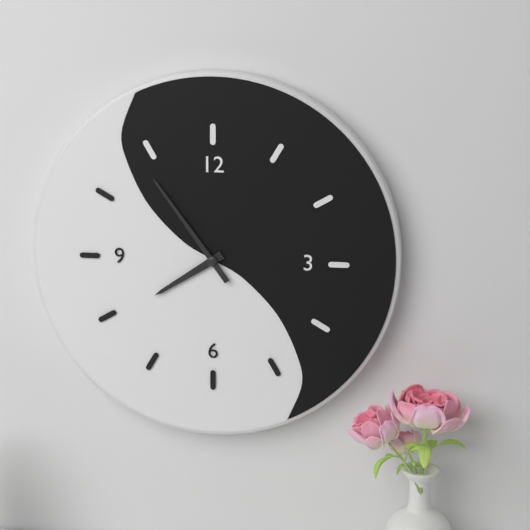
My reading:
7:54
